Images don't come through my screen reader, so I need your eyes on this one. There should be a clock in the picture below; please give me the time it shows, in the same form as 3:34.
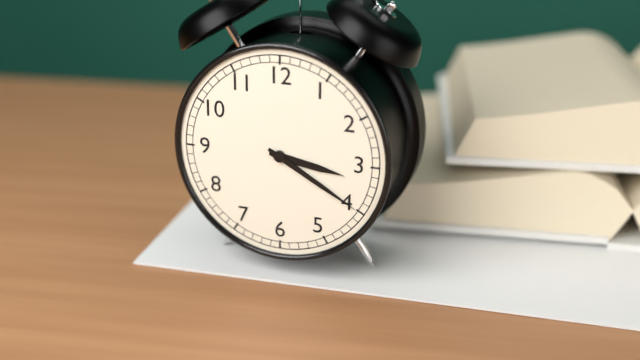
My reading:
3:20
